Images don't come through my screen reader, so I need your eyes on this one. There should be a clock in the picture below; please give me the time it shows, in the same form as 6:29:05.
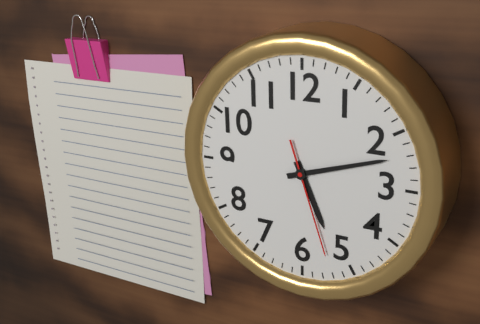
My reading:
5:12:27
